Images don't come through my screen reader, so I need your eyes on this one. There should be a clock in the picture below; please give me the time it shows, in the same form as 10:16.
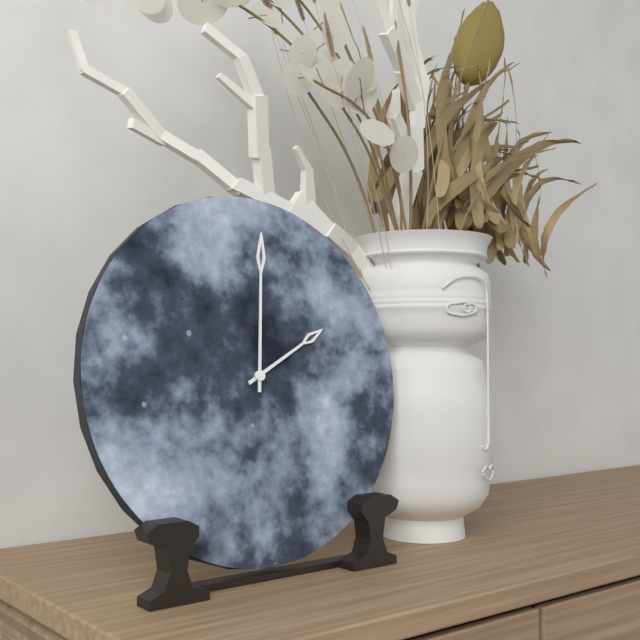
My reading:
2:01
